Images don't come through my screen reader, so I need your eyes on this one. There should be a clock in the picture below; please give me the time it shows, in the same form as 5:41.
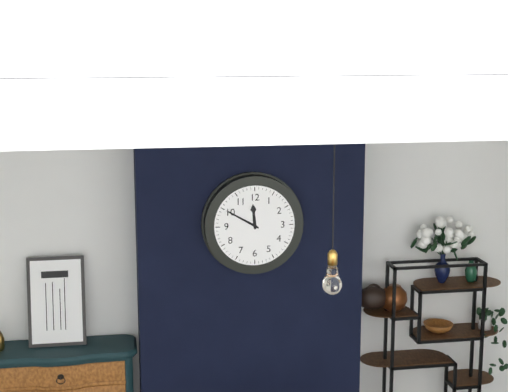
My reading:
11:50
